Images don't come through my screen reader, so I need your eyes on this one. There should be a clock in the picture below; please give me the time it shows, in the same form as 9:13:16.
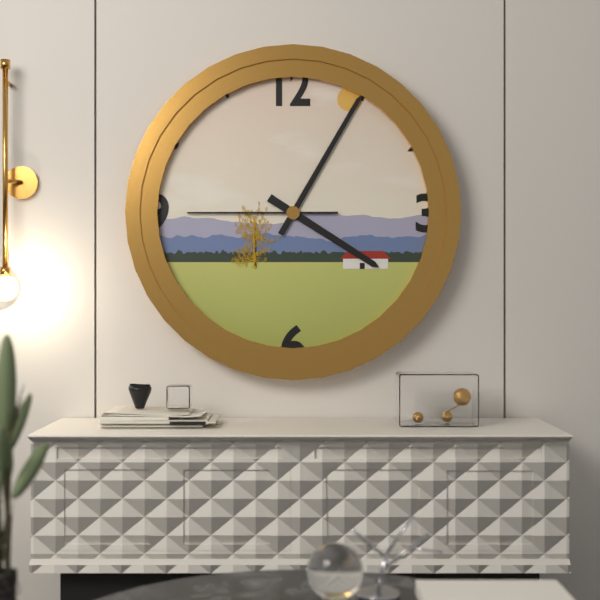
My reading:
4:05:45
